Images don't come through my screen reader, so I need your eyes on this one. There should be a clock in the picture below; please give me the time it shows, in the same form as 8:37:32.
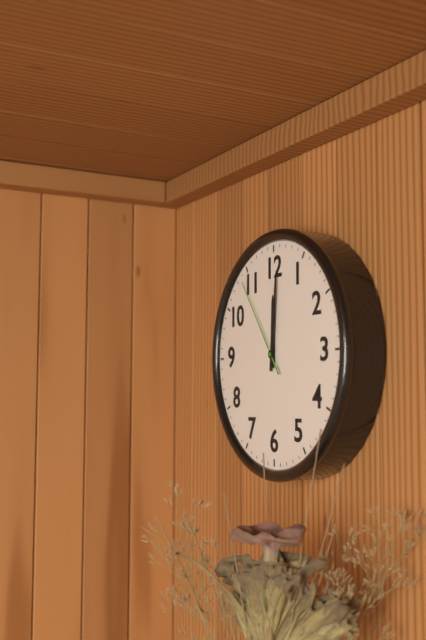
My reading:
12:01:54
